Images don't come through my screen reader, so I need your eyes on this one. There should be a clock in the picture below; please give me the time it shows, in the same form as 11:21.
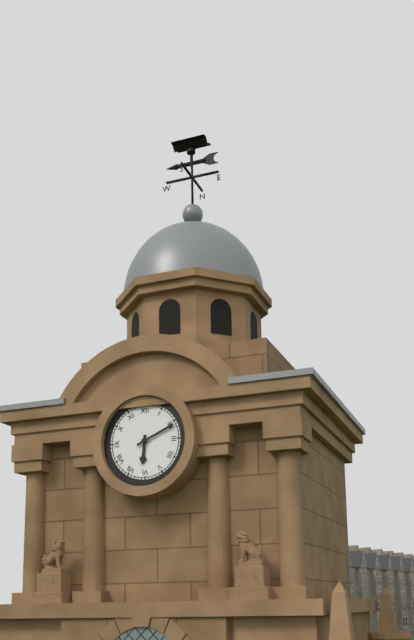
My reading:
6:11
